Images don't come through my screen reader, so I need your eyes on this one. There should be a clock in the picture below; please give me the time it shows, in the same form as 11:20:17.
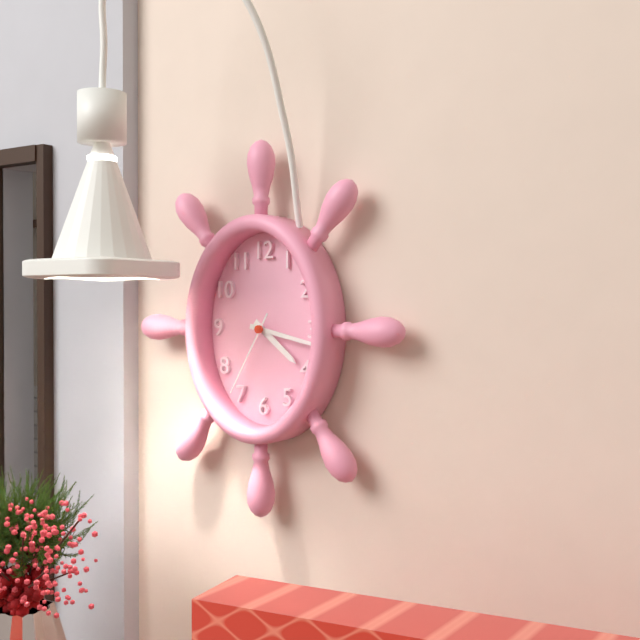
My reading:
4:17:35
